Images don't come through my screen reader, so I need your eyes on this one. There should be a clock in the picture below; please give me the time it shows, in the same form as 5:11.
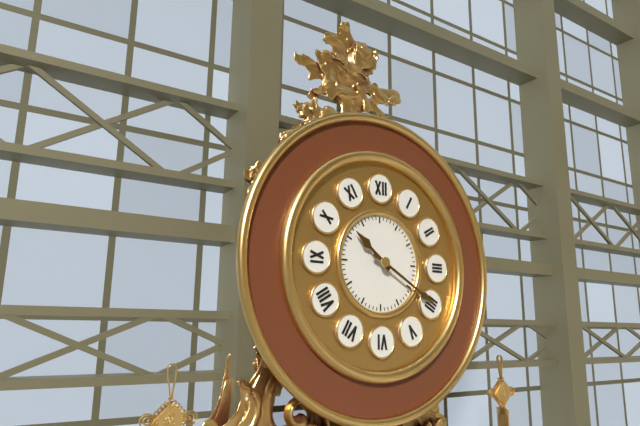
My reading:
10:20
